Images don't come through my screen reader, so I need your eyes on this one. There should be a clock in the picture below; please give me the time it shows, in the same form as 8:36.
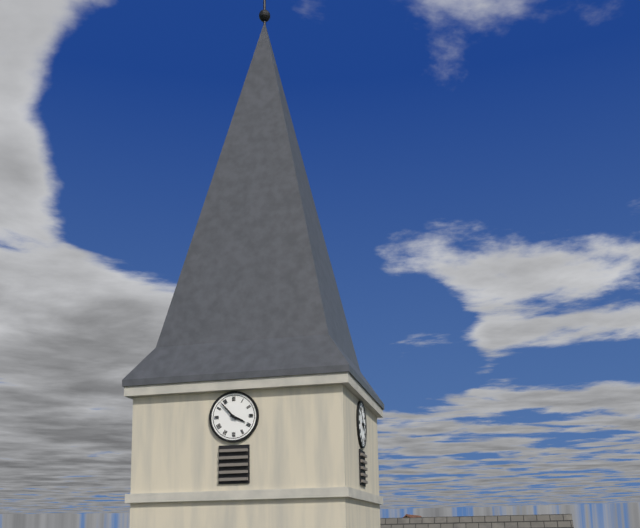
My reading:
3:53
